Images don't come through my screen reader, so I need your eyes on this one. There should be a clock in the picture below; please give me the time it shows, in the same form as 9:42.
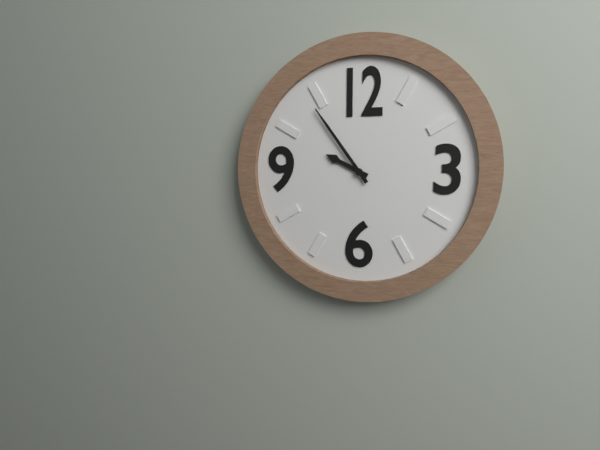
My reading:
9:54
